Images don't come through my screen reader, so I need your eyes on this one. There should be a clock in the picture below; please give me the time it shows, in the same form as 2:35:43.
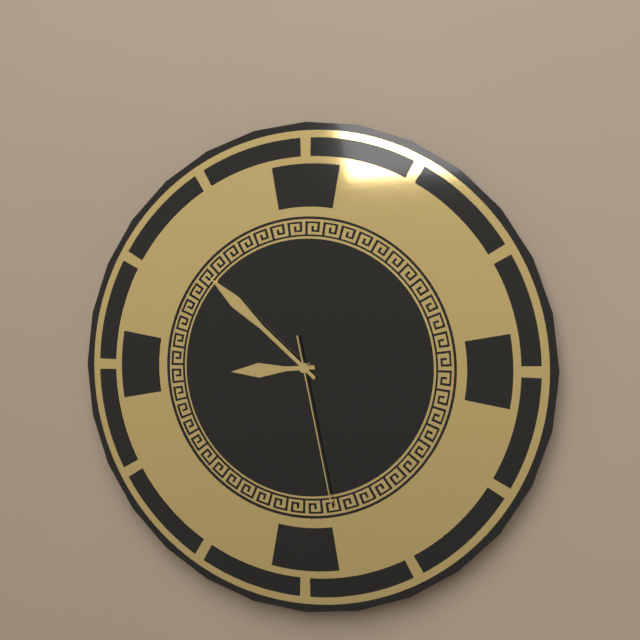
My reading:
8:52:28
